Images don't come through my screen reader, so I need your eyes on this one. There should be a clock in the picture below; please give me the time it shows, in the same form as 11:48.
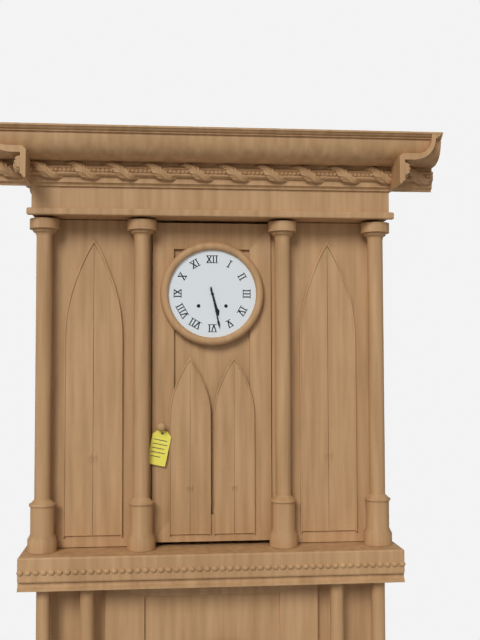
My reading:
5:28
